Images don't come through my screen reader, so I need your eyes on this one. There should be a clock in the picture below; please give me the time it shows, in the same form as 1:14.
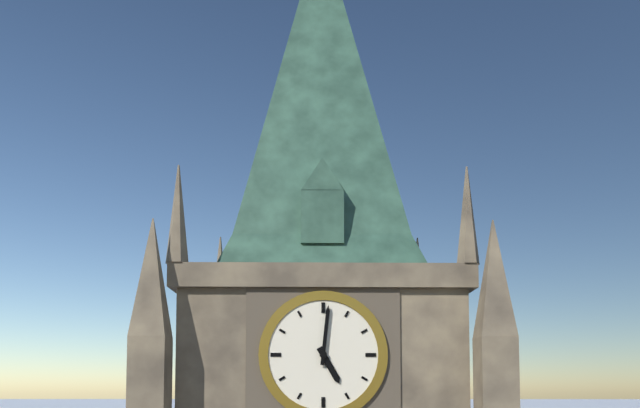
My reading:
5:01
